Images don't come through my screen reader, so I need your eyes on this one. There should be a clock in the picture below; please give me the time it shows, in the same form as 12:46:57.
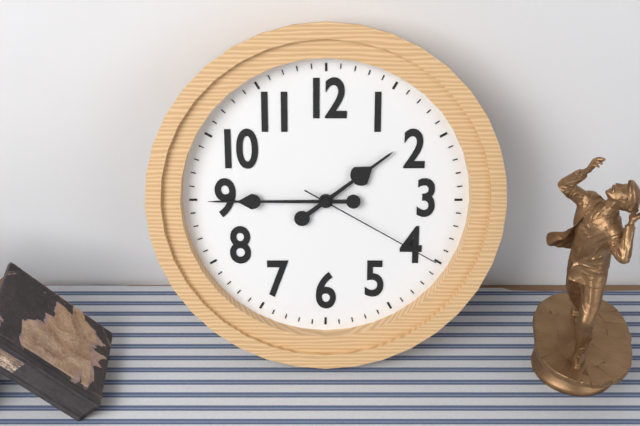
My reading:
1:45:20
